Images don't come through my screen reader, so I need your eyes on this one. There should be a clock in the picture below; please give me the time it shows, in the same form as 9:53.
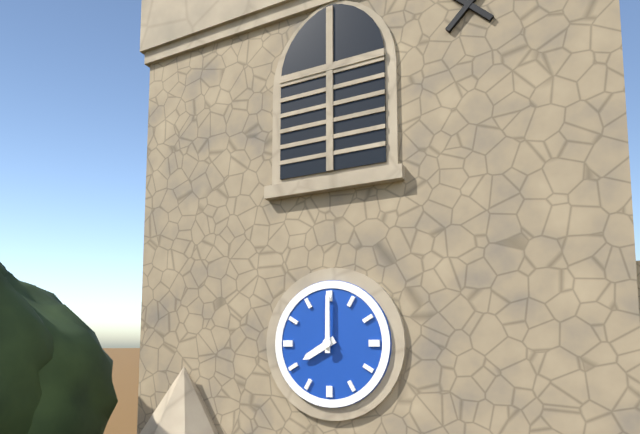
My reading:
8:00
